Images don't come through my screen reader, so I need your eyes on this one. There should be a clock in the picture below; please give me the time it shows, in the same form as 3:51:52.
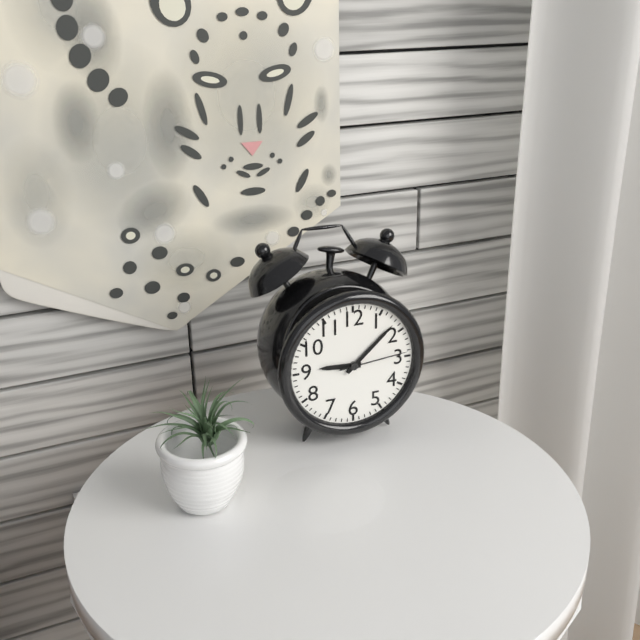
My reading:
9:08:14
